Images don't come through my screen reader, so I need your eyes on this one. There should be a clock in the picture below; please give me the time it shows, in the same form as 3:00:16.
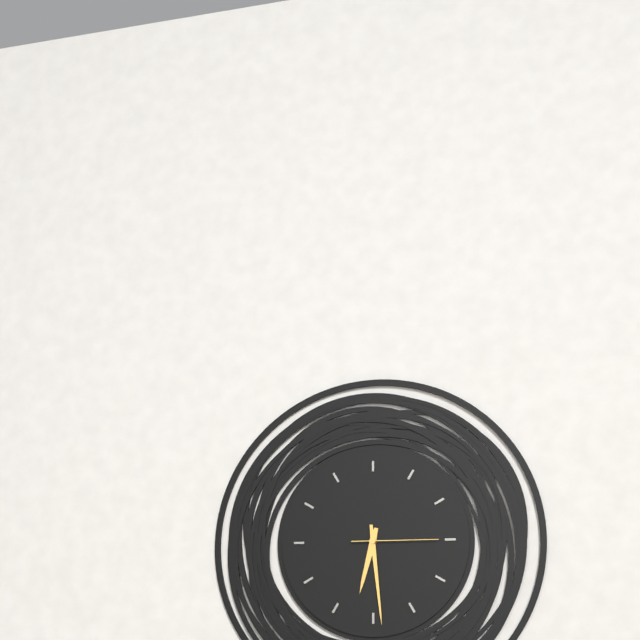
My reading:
6:29:15
